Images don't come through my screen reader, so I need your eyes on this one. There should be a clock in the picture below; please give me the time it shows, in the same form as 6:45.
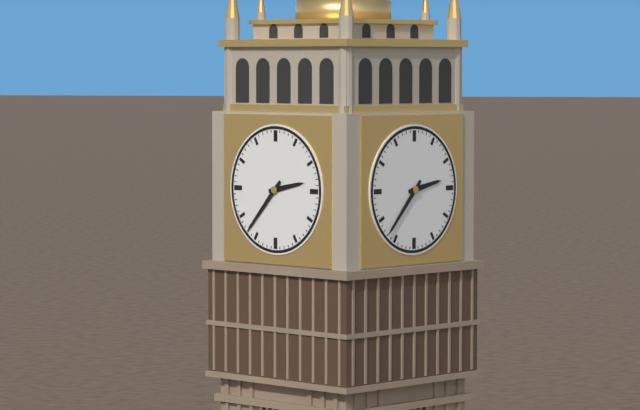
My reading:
2:37
